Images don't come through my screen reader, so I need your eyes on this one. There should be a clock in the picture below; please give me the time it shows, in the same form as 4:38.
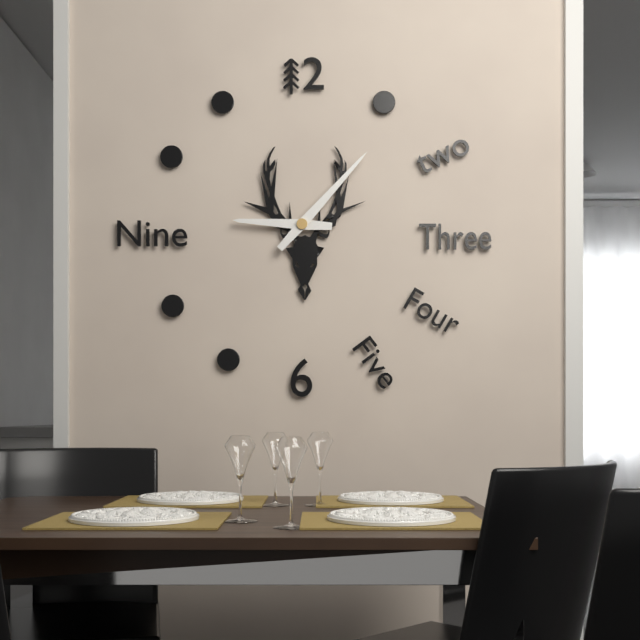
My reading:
9:07
